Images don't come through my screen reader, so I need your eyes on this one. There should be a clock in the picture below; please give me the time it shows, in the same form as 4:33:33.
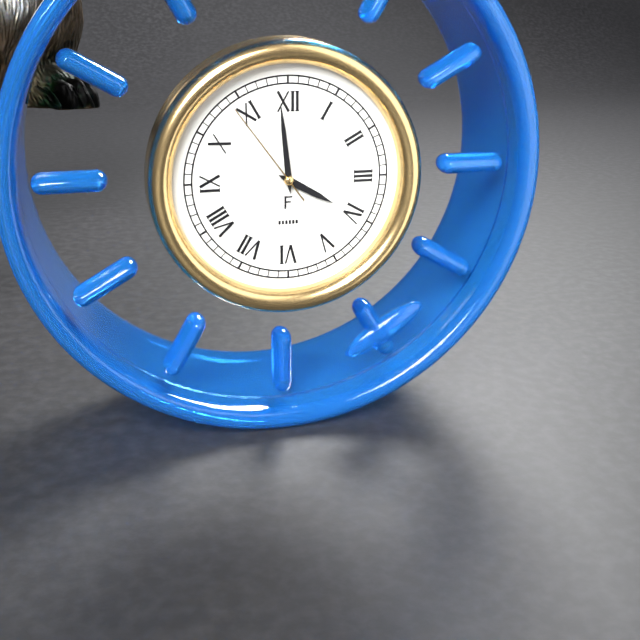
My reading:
3:59:54
